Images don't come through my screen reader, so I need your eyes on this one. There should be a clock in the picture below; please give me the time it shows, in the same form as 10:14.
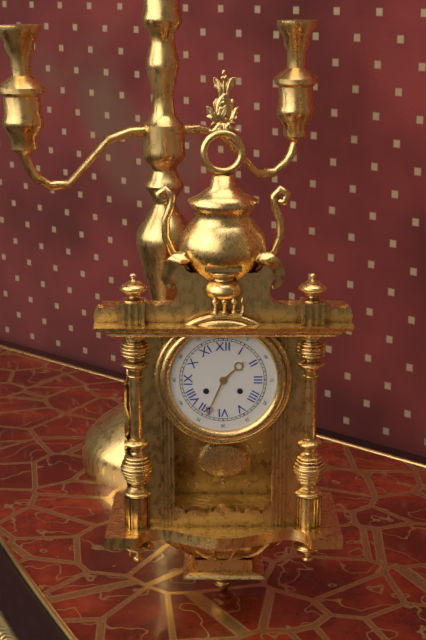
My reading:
1:34
